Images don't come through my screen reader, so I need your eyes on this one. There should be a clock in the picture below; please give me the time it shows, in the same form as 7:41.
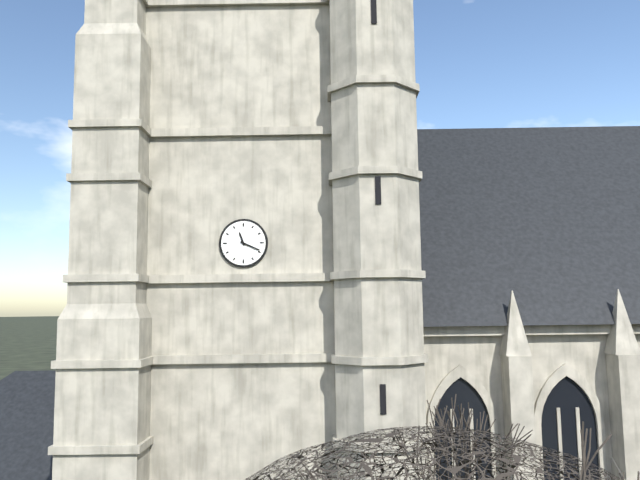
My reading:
11:19
